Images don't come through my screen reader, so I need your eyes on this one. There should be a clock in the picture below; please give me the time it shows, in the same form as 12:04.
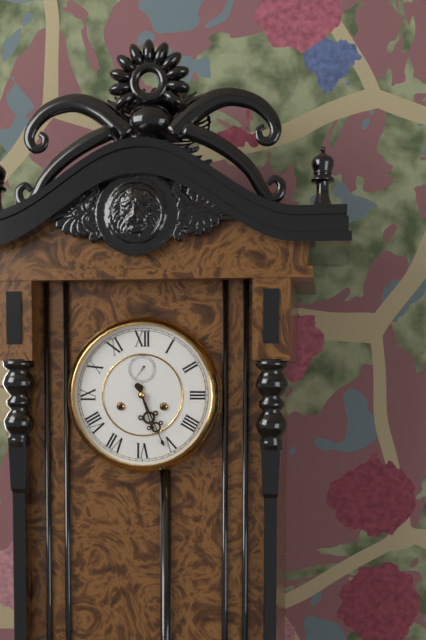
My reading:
5:26
